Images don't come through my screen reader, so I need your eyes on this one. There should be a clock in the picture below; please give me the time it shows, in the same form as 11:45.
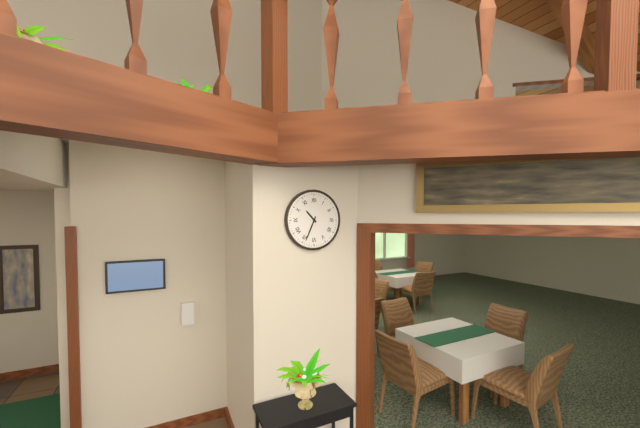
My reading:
10:34
